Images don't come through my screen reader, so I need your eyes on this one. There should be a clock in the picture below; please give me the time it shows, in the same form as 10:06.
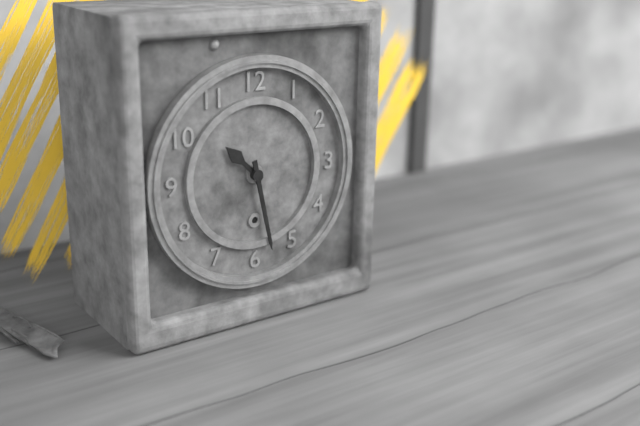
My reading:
10:28
